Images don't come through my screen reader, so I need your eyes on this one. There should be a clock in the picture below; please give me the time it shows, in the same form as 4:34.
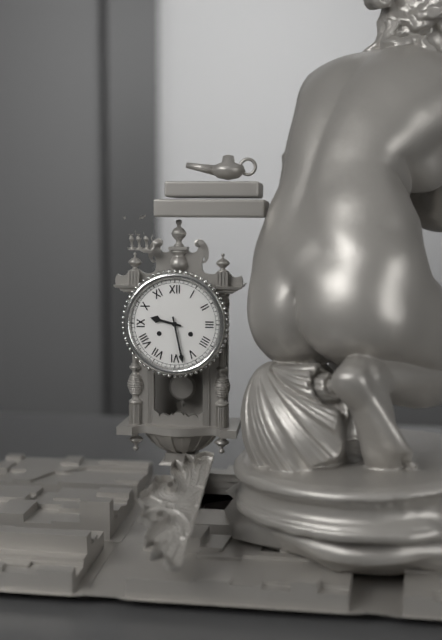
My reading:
9:28
